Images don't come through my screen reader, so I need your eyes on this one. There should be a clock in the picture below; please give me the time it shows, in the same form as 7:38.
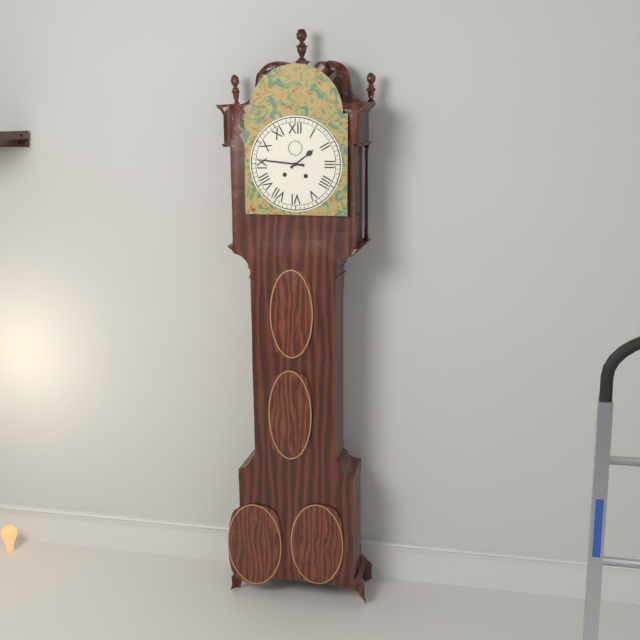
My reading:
1:46
